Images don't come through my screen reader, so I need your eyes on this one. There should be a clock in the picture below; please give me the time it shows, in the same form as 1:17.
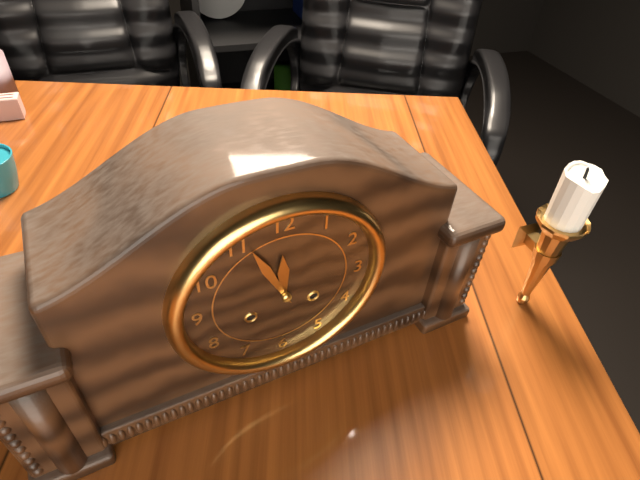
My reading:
11:56
